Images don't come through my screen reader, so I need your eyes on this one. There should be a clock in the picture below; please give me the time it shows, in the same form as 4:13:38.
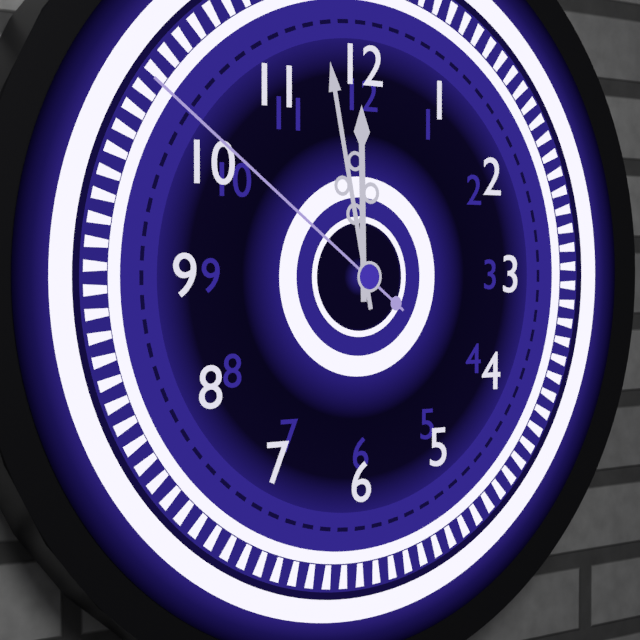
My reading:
11:58:51
